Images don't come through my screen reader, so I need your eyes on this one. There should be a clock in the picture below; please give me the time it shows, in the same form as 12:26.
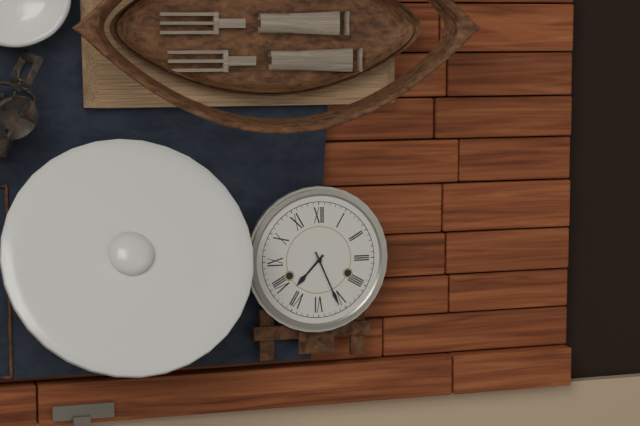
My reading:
7:26
